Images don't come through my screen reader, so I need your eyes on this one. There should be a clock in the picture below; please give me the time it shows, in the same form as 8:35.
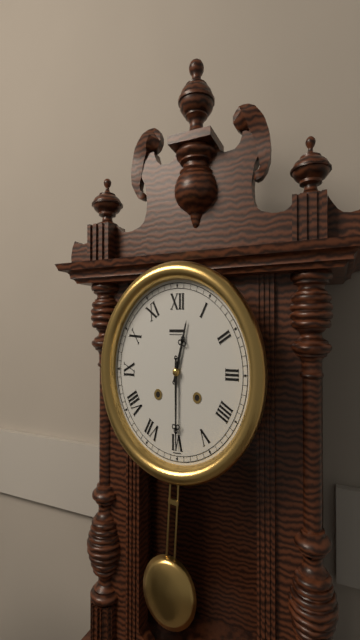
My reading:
12:30
